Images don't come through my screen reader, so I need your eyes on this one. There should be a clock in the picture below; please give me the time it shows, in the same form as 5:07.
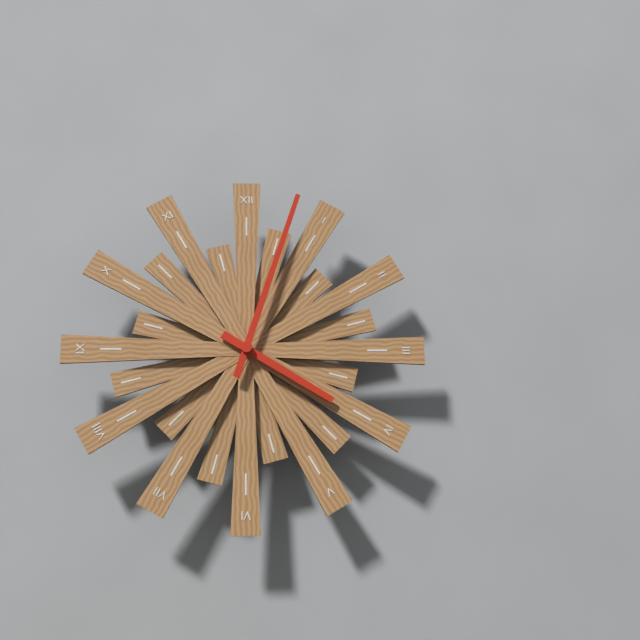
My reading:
4:03
